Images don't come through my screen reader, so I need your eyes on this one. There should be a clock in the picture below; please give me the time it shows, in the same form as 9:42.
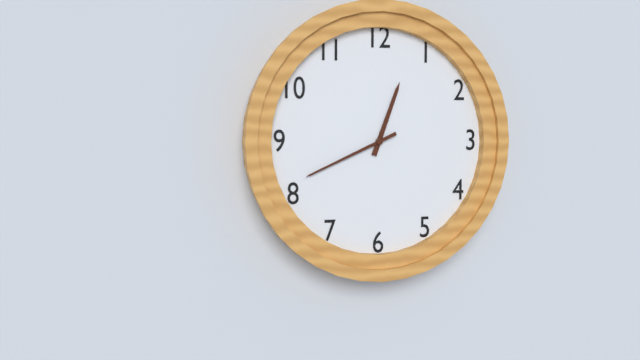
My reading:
12:41
